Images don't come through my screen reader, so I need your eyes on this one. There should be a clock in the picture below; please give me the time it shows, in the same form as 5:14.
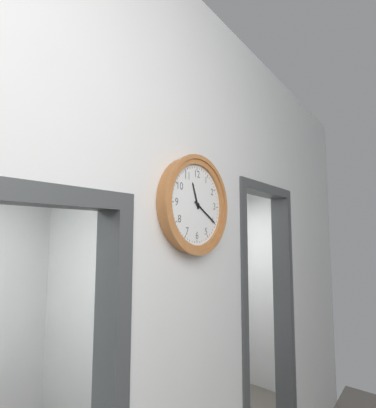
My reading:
11:20
